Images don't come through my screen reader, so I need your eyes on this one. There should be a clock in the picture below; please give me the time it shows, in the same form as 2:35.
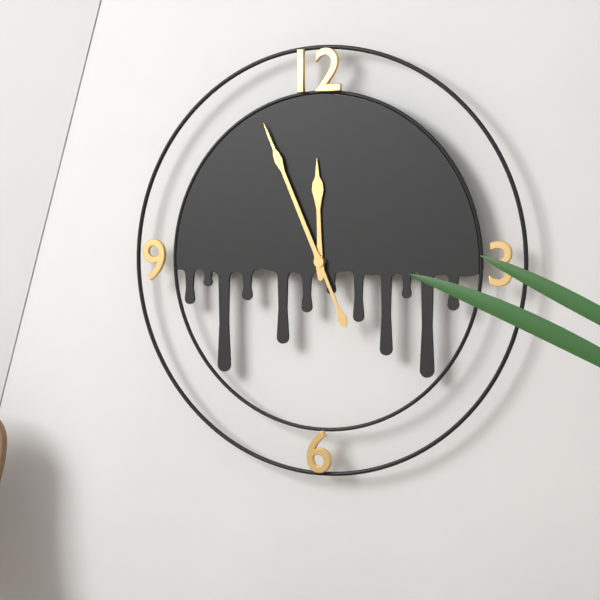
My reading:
11:56
